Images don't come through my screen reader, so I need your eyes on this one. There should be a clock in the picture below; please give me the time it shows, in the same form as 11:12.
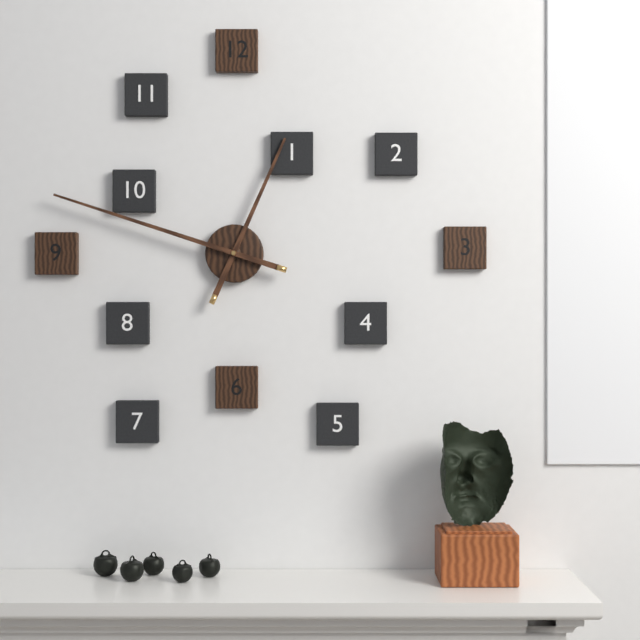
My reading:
12:48
